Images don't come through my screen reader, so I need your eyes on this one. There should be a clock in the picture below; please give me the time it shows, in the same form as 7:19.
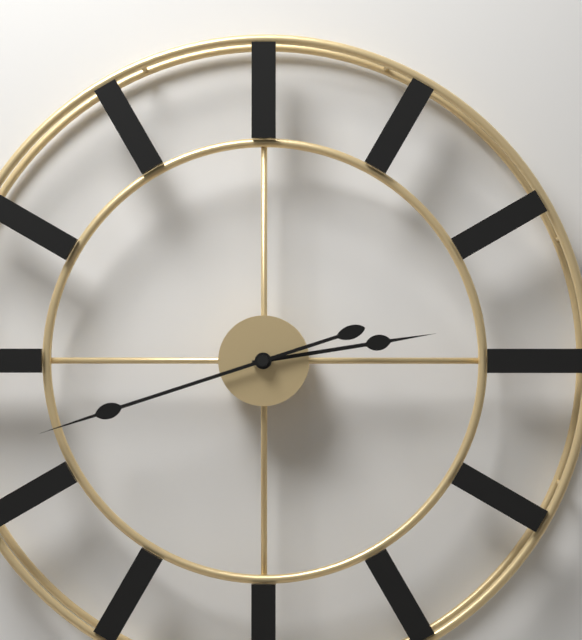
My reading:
2:42
